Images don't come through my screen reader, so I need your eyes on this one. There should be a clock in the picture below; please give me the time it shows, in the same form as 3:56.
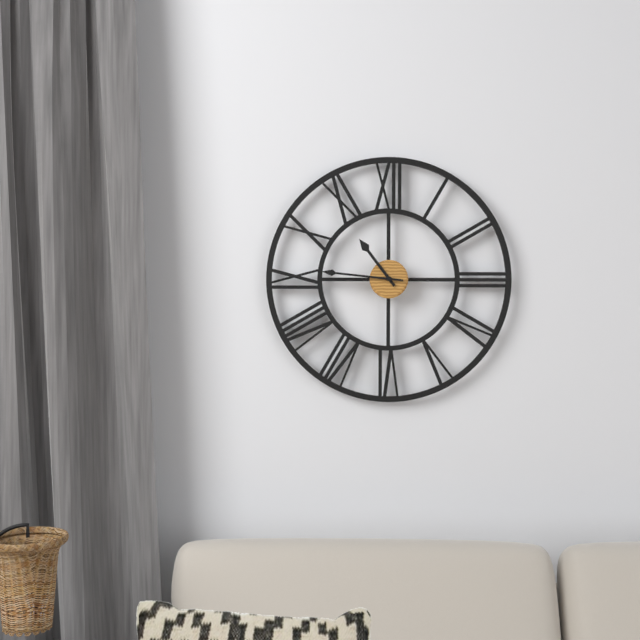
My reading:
10:46
